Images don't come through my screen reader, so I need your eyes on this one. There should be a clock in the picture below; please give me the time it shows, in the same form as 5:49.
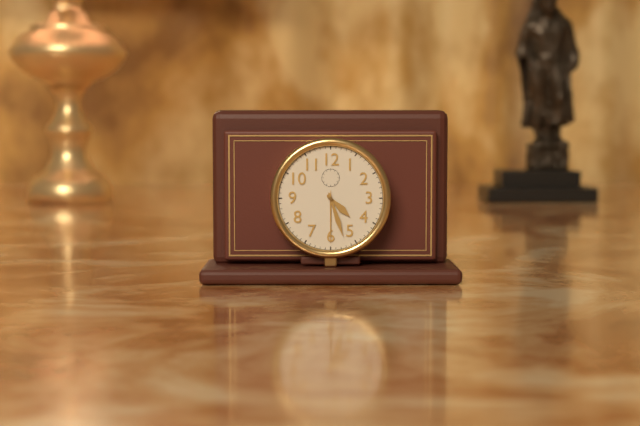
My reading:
4:27
